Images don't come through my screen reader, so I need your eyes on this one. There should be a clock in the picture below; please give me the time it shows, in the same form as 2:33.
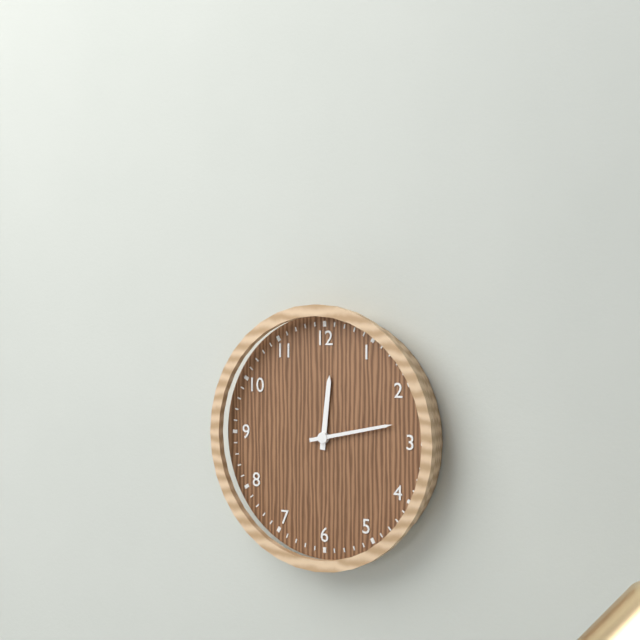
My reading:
12:13
